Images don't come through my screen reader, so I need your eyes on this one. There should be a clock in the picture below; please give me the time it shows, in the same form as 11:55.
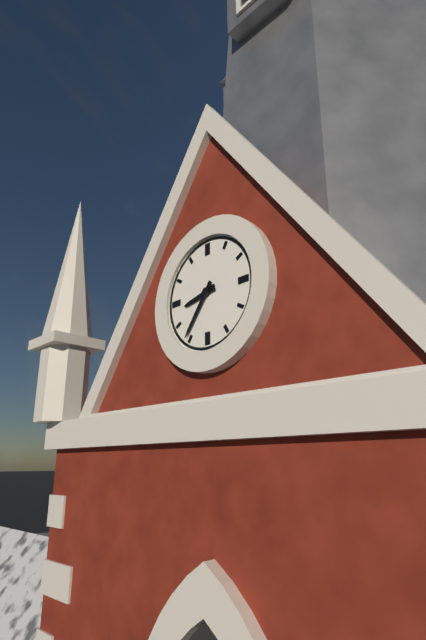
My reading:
8:36
